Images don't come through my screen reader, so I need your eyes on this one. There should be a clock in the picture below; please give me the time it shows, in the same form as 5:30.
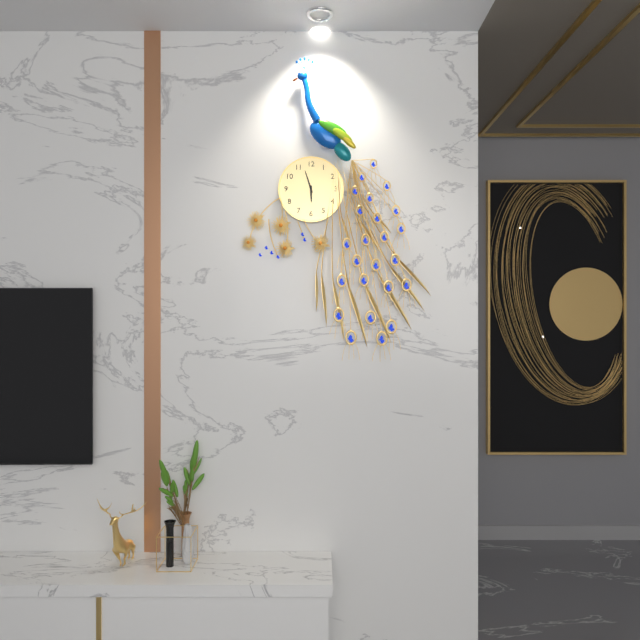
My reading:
5:57
